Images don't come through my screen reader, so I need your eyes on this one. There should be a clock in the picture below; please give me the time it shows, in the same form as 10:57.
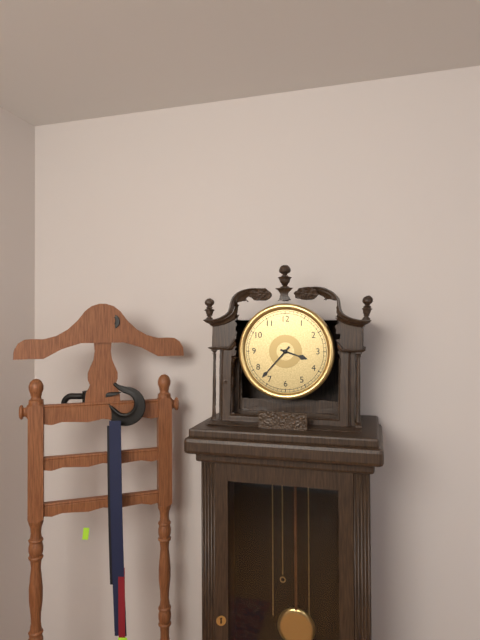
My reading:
3:37
